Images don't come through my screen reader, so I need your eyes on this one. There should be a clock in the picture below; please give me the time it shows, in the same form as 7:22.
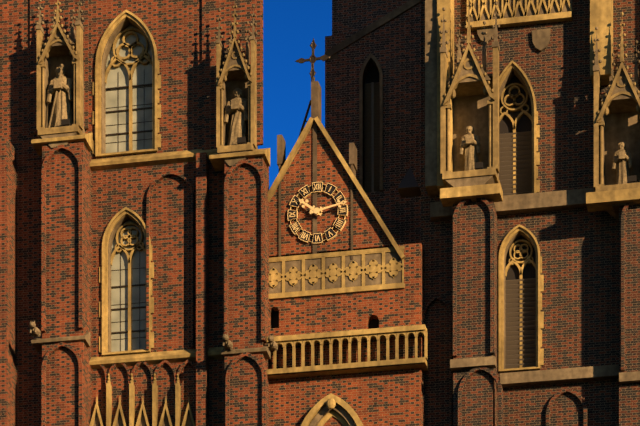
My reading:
10:13
